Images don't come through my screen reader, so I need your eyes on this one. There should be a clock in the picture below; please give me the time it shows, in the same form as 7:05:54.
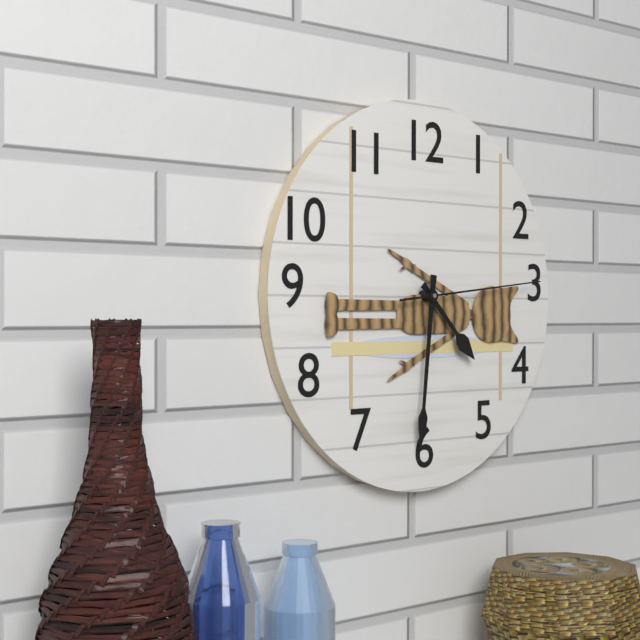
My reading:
4:31:14
